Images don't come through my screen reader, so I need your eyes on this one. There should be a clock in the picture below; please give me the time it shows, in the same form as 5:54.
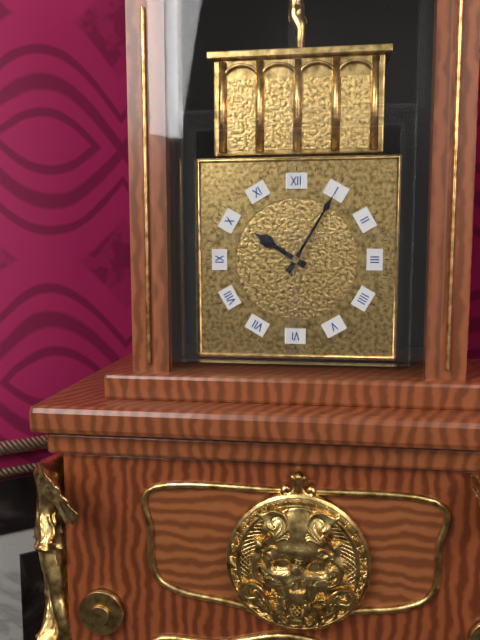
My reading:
10:05
